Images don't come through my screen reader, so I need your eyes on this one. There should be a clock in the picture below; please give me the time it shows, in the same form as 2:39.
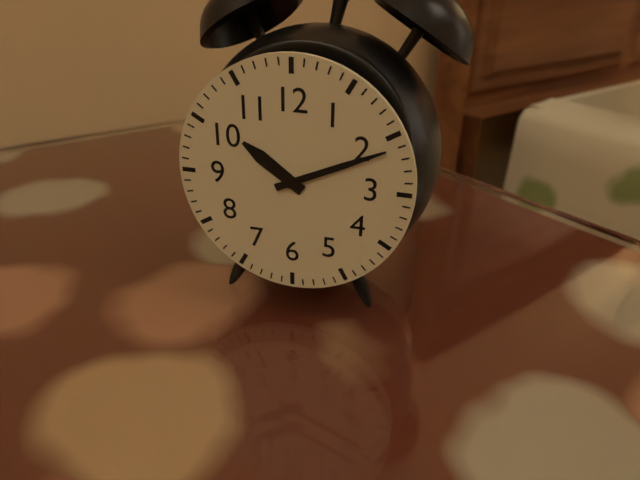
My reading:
10:11
